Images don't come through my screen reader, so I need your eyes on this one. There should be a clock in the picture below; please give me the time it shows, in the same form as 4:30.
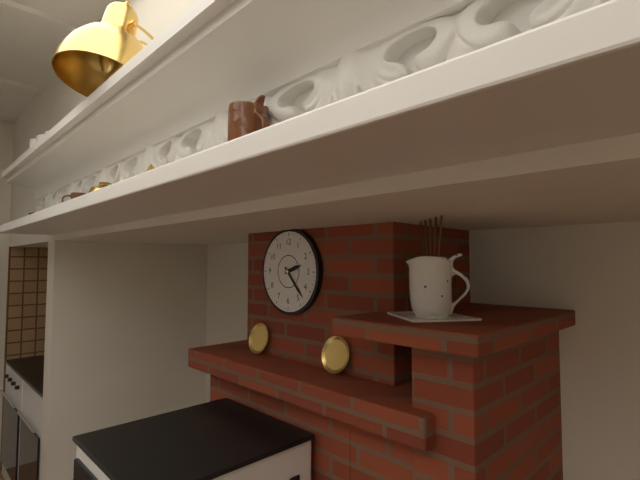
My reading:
2:23
